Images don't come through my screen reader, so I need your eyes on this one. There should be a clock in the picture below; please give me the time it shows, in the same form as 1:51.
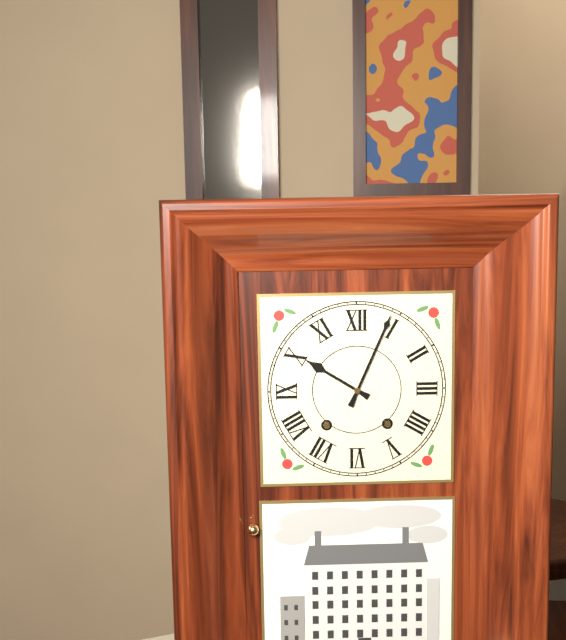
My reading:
10:04
